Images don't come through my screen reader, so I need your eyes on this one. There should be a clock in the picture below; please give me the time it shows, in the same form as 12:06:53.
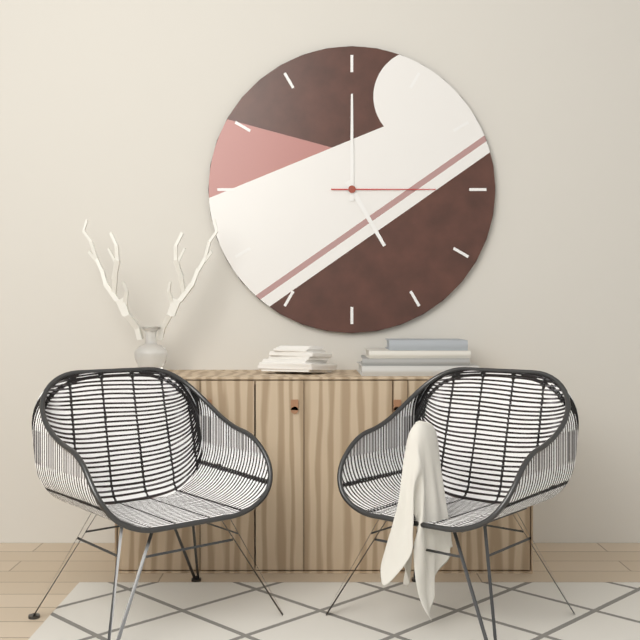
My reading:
5:00:15
